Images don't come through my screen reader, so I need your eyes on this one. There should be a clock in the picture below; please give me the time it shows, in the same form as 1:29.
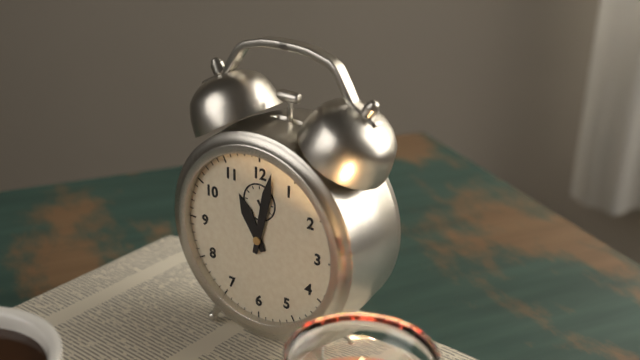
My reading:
11:02
